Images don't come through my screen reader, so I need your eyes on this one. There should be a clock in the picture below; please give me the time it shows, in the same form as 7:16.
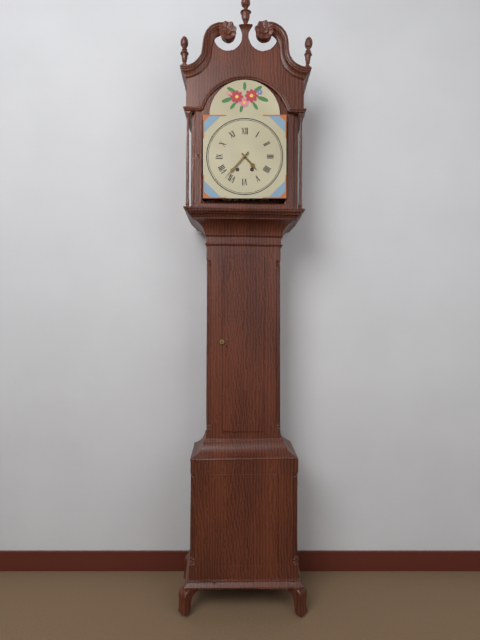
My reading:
4:37
